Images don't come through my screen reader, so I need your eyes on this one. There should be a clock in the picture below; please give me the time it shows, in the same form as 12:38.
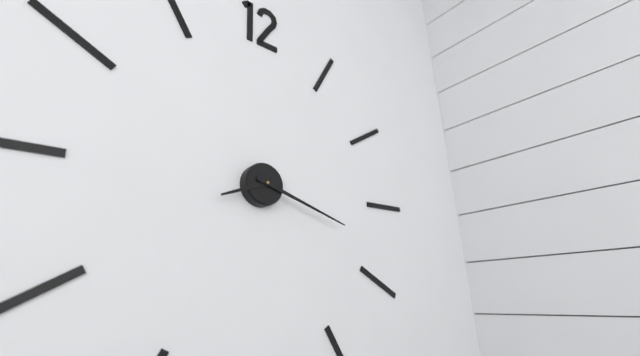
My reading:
8:18
